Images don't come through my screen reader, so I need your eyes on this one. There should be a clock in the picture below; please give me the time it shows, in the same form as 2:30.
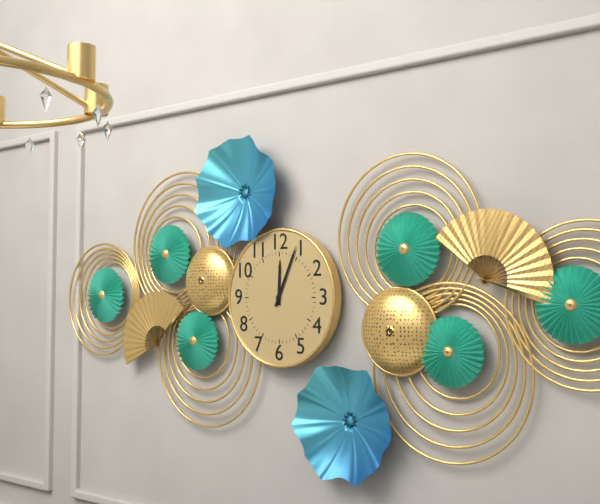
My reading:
12:04
